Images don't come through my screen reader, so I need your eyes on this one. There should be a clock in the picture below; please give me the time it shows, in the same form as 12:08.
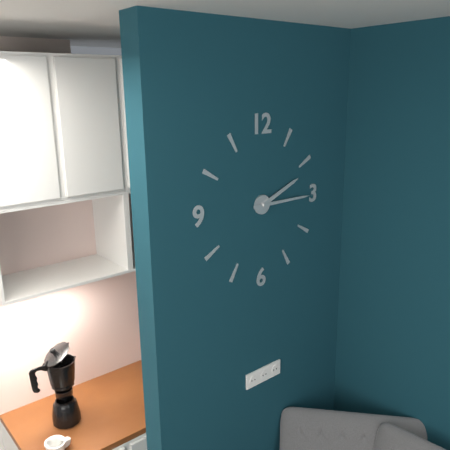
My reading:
2:15
